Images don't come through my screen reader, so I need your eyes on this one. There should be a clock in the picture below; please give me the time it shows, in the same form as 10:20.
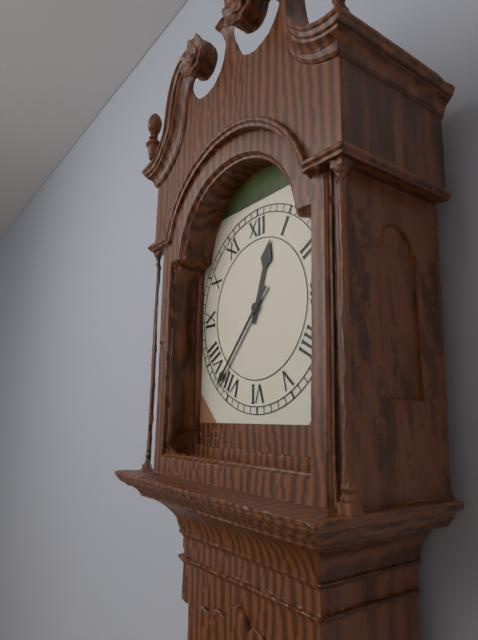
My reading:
12:37
